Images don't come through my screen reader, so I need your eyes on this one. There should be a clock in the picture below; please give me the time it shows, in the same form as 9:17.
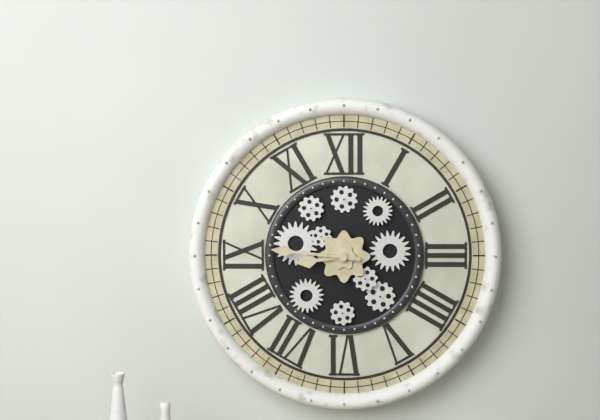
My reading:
8:46
